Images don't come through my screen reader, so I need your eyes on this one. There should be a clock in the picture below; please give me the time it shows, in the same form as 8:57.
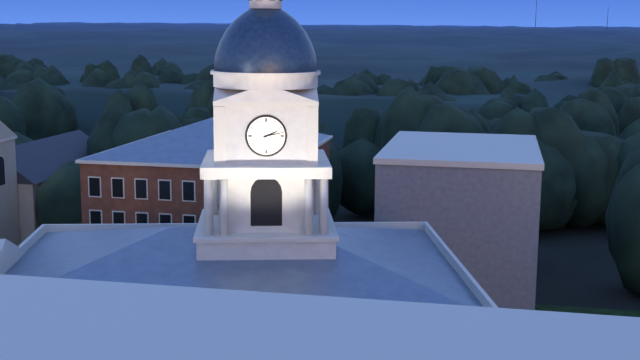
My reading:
2:13
